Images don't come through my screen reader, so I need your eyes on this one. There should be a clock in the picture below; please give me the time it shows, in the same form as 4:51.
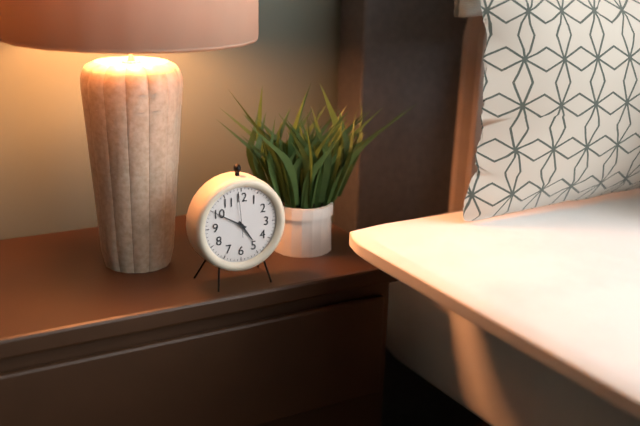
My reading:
4:50
